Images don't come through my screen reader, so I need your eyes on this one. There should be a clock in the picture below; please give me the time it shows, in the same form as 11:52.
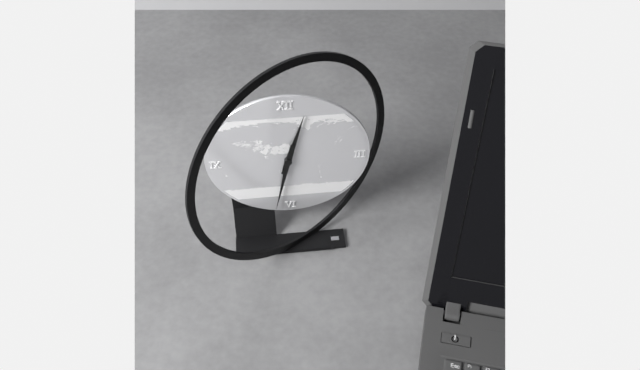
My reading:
12:32
